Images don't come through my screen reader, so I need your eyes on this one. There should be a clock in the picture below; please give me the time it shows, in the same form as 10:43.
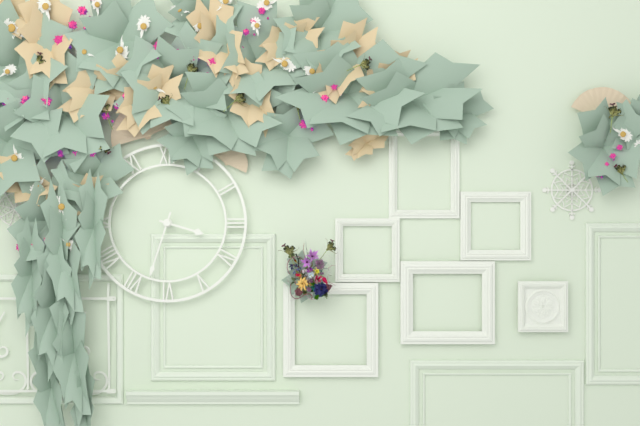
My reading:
3:33
